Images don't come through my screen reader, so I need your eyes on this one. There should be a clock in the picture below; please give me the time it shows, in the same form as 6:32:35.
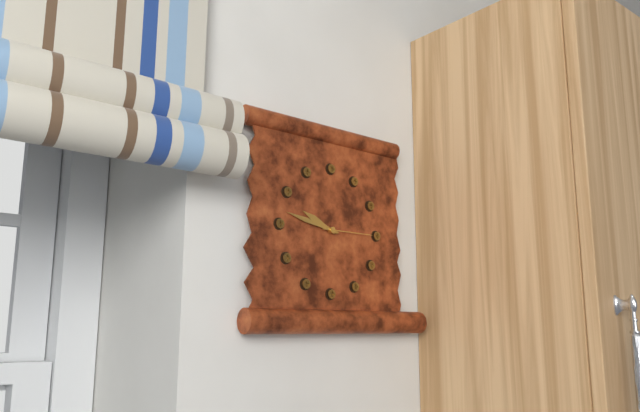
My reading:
9:47:15
